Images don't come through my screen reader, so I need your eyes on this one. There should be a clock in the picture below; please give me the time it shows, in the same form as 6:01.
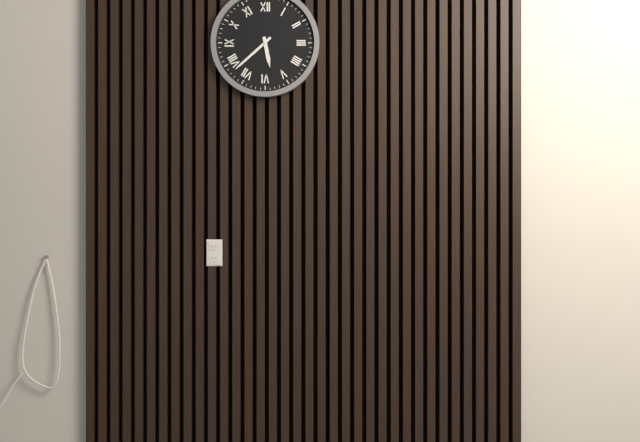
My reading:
5:38
